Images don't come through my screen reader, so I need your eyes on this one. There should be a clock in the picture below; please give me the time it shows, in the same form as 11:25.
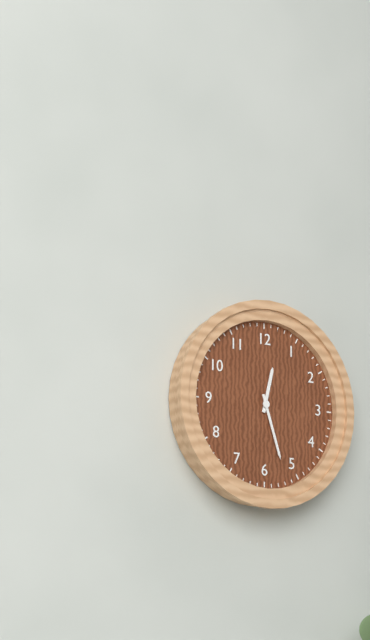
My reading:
12:27
